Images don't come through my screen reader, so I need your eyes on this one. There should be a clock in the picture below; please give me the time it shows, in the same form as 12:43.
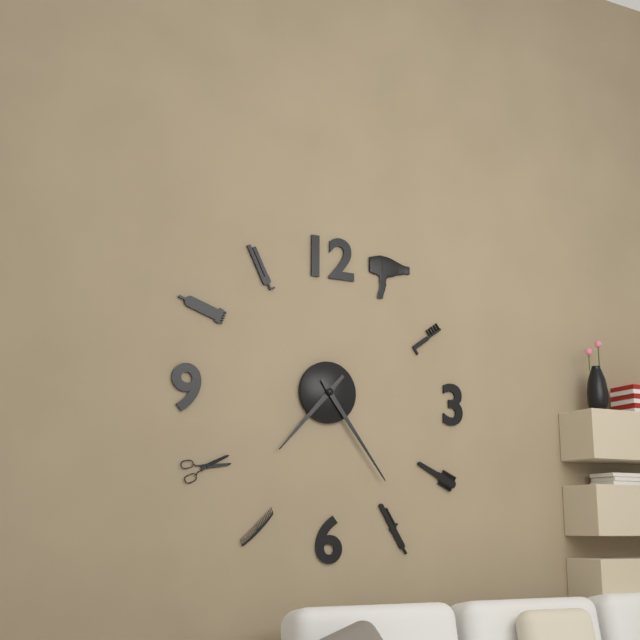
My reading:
7:24
